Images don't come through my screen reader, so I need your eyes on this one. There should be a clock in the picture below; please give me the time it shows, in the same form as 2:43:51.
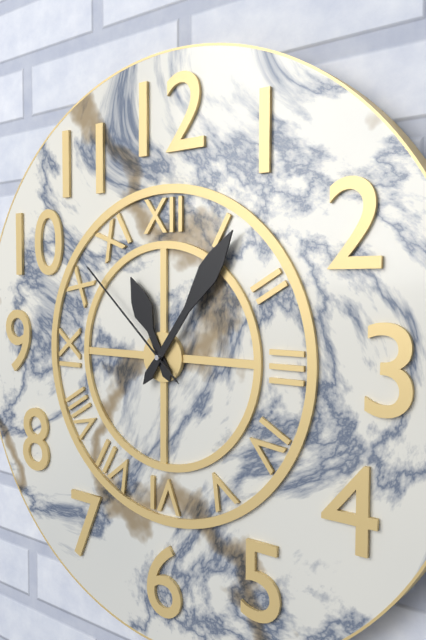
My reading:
11:06:52
